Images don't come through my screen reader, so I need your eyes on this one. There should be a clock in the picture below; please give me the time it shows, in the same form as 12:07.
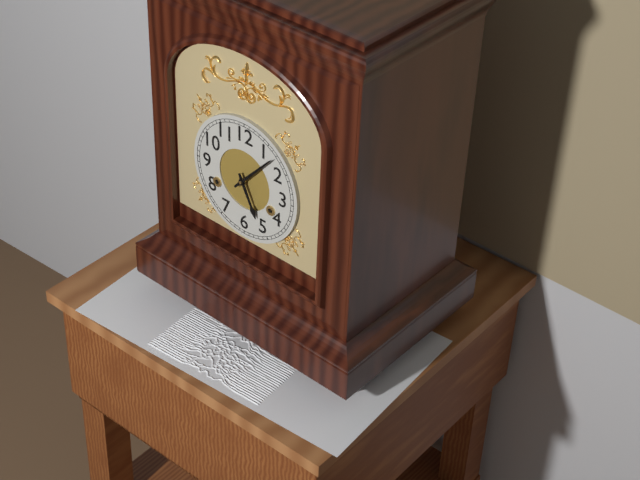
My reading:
5:07
